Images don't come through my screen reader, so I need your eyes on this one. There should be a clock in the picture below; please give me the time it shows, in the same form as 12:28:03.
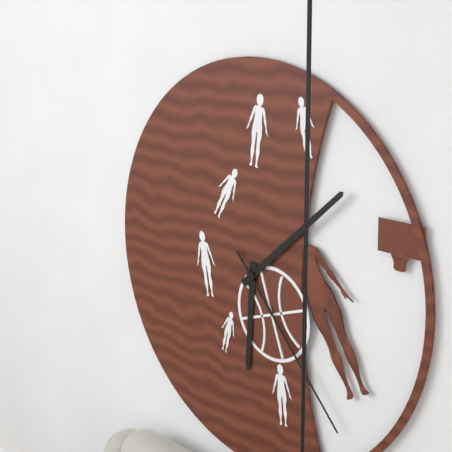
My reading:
6:08:23
